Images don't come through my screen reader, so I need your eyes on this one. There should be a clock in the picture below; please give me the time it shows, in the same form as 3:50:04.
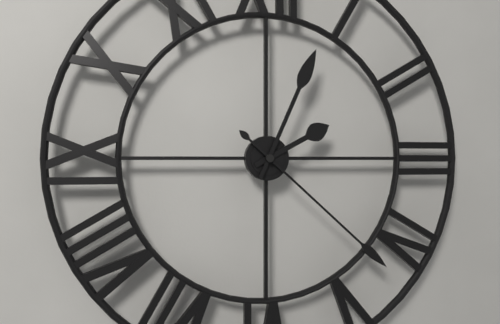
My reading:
2:04:22
